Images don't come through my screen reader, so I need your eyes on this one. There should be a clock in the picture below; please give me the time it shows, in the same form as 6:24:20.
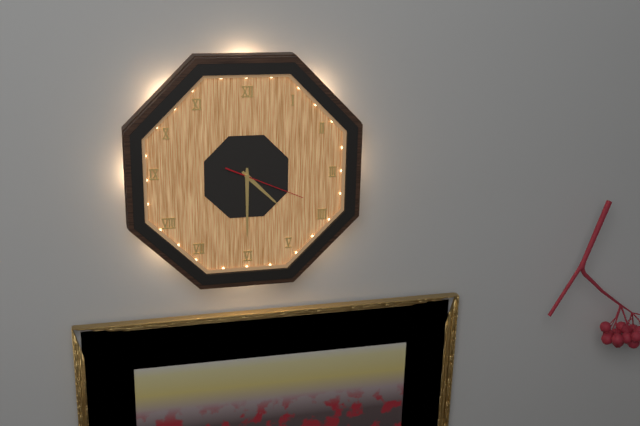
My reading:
4:30:19
